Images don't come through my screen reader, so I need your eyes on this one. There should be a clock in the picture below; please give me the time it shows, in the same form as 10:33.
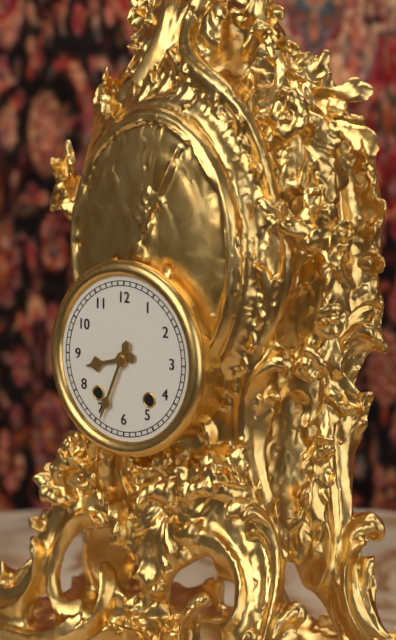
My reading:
8:34
